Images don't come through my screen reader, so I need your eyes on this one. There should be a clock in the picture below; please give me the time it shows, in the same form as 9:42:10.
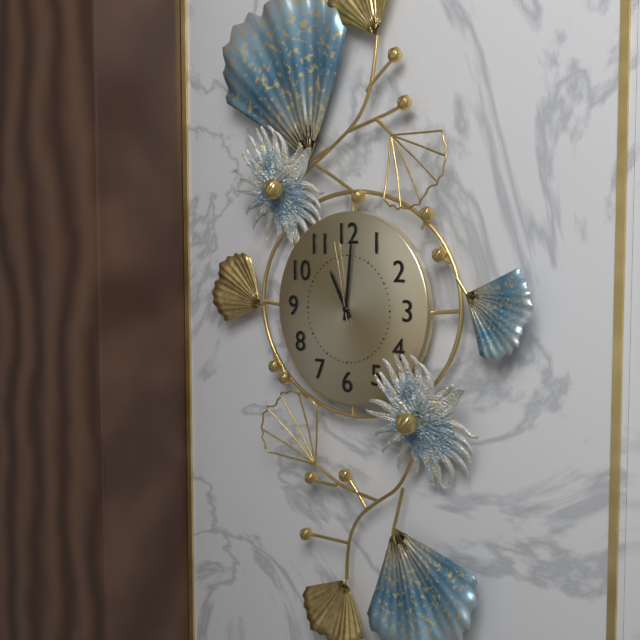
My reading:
11:01:58
